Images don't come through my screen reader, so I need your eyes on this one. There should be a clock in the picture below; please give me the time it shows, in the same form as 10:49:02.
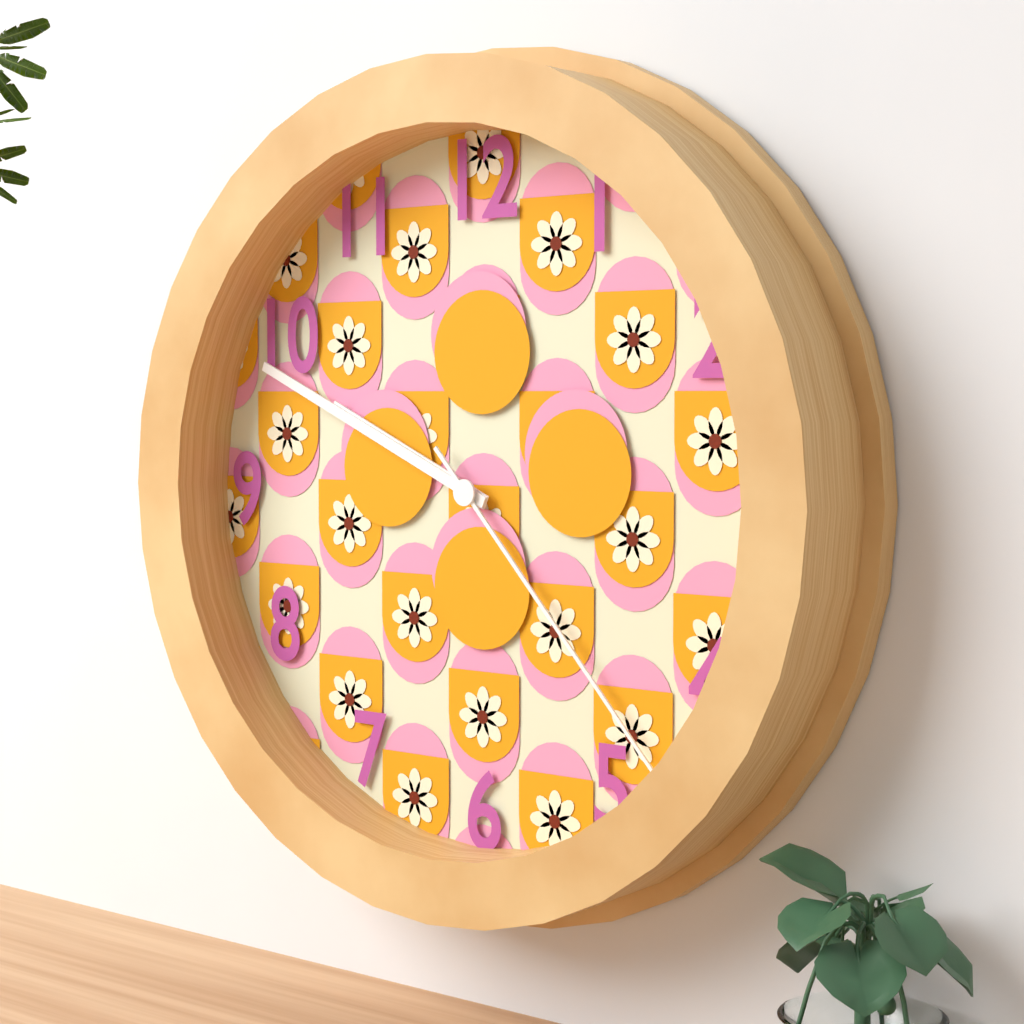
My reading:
9:49:23
